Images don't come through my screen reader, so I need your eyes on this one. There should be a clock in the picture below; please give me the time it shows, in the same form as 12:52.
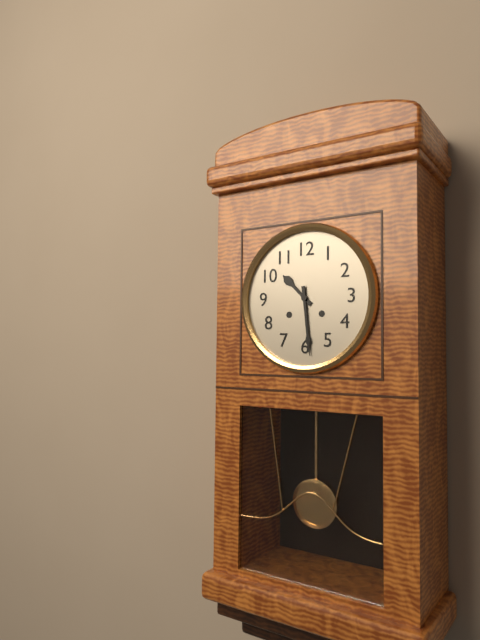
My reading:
10:29
